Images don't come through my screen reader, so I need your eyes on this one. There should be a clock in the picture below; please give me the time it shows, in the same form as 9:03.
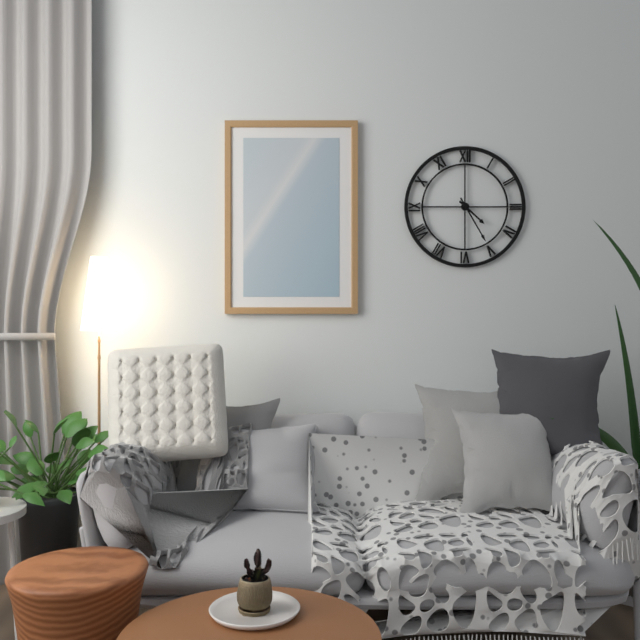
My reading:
4:25
